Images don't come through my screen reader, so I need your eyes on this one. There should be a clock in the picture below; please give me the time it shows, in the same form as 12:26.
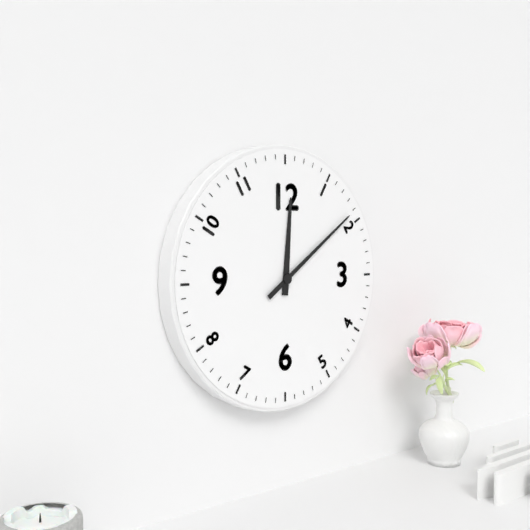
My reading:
12:09
